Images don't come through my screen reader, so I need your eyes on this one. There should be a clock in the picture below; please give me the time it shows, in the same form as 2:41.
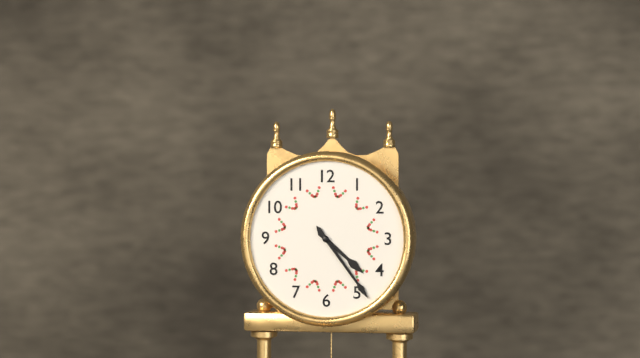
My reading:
4:24
